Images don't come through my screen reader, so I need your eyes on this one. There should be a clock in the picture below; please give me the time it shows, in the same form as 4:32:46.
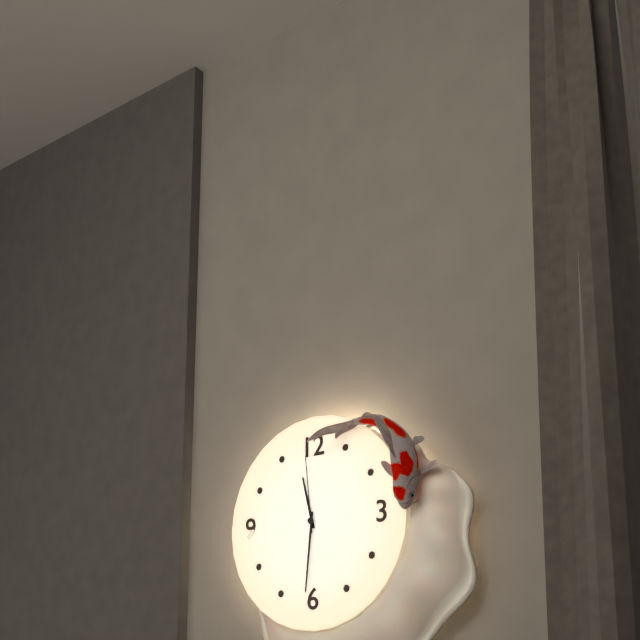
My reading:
11:31:59
